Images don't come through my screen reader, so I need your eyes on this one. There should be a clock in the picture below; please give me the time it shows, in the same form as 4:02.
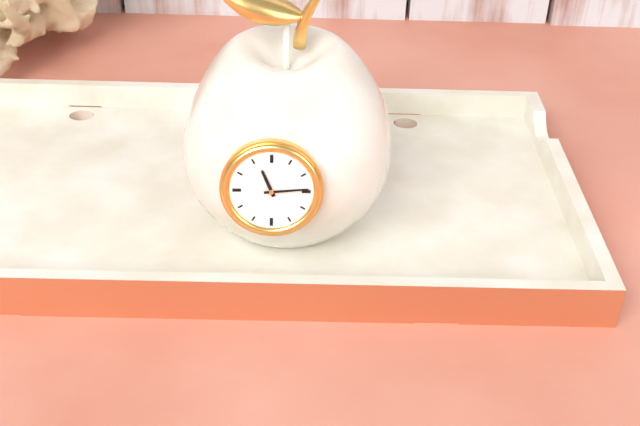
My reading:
11:14
